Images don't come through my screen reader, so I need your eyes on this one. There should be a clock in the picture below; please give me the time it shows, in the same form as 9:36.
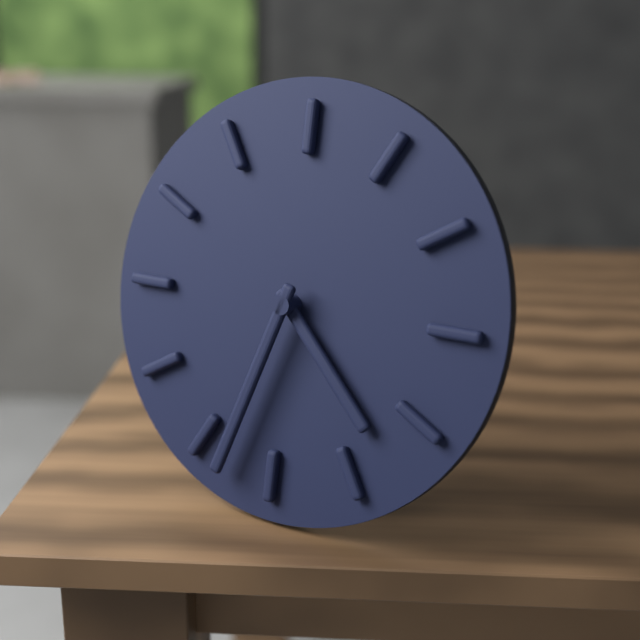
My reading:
4:33
